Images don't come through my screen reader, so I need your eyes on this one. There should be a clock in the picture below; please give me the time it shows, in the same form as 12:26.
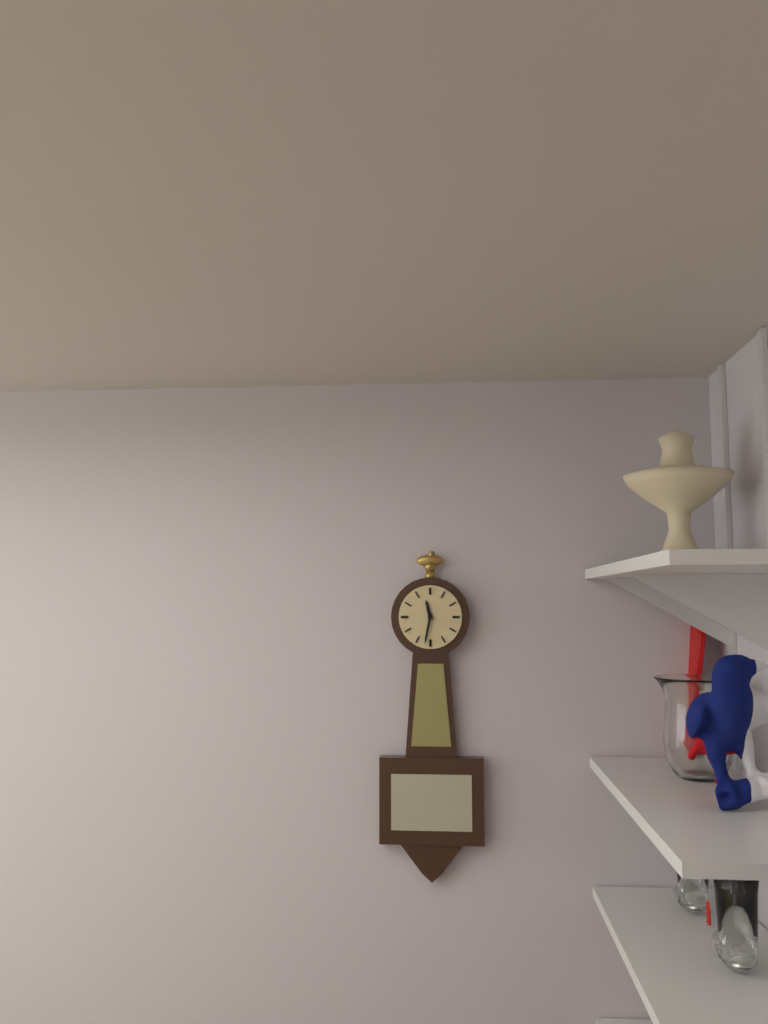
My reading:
11:32
